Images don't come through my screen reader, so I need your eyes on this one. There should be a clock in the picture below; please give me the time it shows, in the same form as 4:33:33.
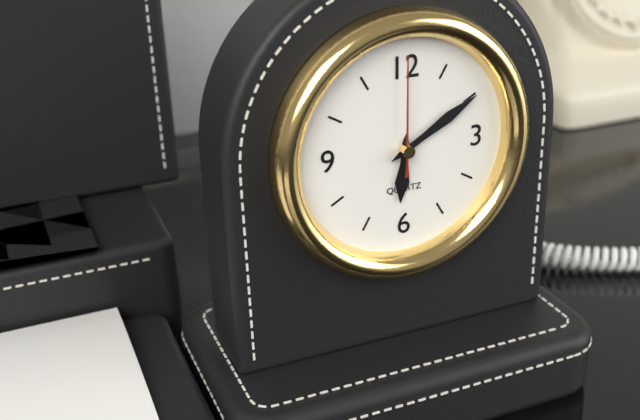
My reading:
6:10:00
